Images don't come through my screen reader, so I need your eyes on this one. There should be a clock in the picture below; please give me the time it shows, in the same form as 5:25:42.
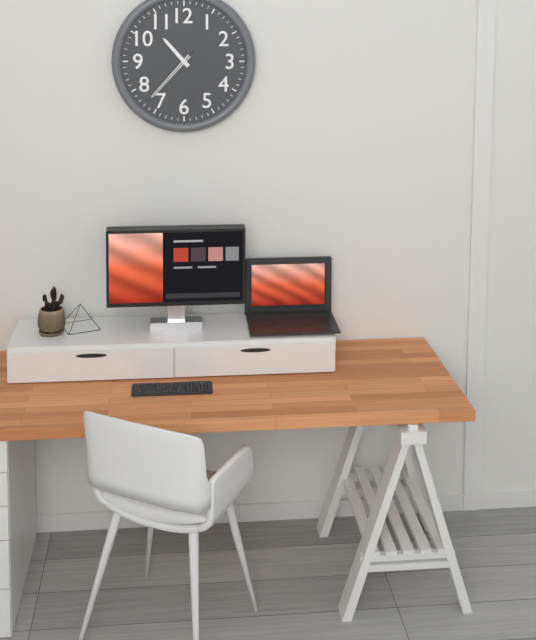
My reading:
10:37:37
